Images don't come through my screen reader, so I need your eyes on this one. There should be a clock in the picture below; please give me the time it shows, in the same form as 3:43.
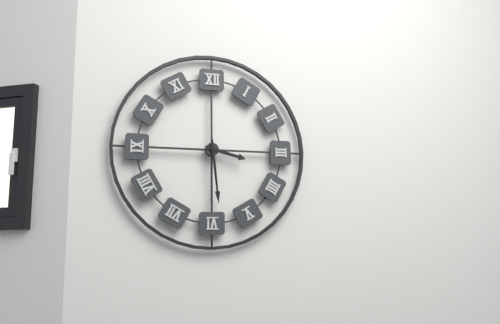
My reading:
3:29
